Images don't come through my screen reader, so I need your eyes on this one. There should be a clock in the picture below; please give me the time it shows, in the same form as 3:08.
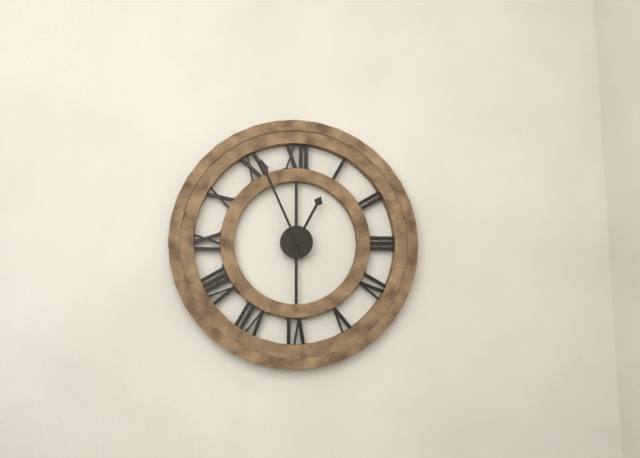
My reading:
12:56
